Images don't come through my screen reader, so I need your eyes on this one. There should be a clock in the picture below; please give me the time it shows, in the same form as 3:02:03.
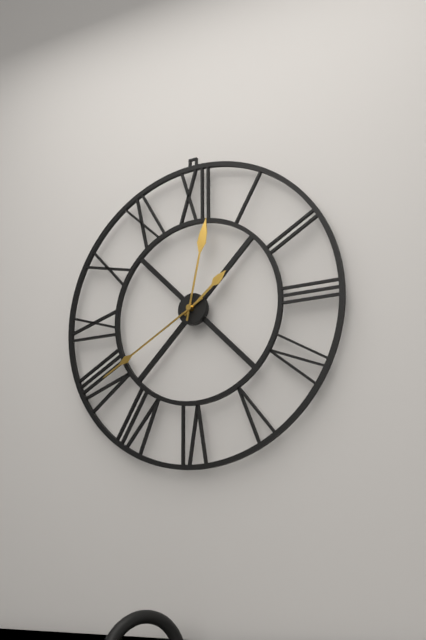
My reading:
1:40:02
